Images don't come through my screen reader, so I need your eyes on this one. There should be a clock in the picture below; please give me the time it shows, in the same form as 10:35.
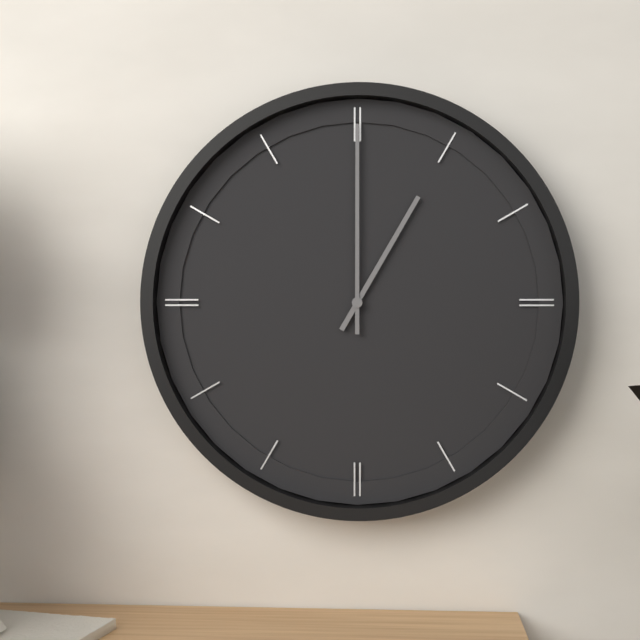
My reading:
1:00
